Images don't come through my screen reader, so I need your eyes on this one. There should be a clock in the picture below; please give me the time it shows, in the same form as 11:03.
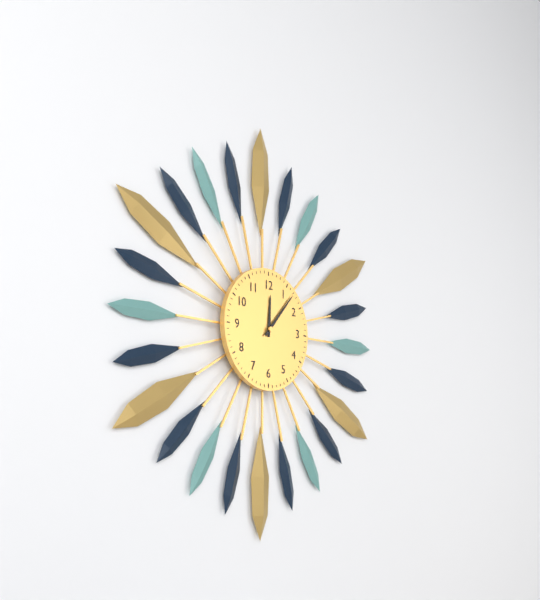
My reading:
12:07
